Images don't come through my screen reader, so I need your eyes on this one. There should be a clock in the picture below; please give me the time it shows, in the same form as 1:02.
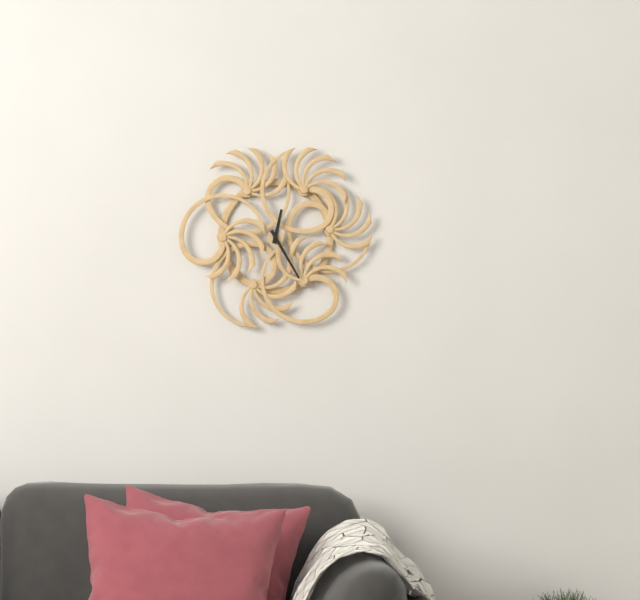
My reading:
12:25
